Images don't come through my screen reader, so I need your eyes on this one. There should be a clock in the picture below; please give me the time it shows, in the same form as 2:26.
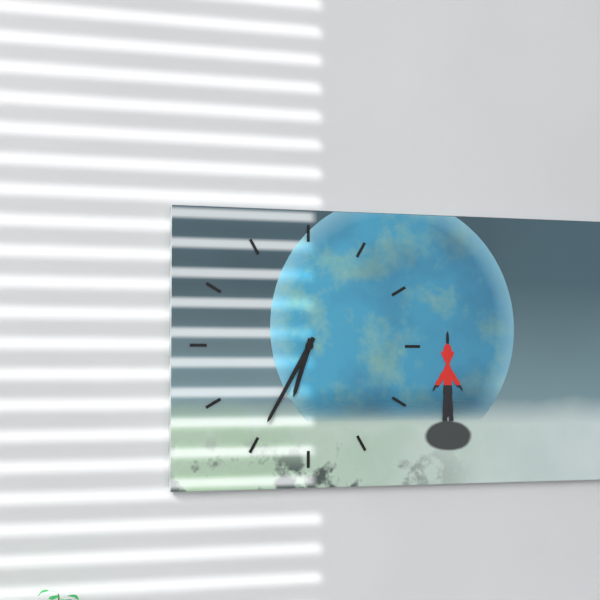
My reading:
6:35
